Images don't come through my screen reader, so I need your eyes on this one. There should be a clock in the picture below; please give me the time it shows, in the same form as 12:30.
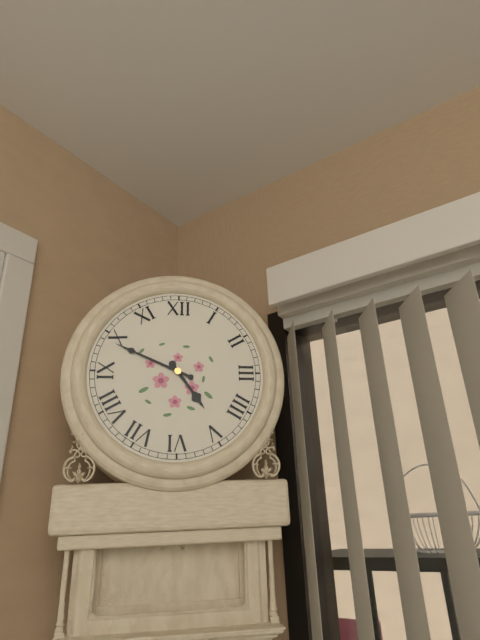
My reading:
4:49
